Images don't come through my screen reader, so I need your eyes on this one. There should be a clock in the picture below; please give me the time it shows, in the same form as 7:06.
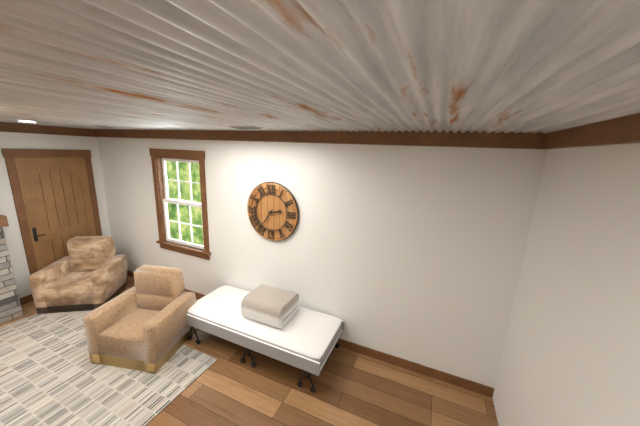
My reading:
2:36
